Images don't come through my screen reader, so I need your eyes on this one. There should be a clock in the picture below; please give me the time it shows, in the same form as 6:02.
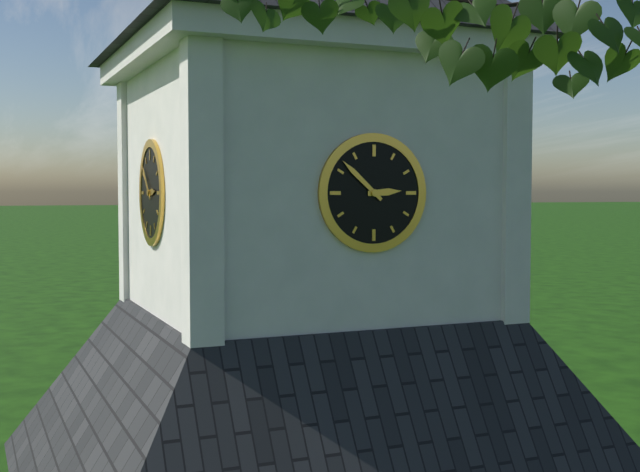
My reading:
2:52
